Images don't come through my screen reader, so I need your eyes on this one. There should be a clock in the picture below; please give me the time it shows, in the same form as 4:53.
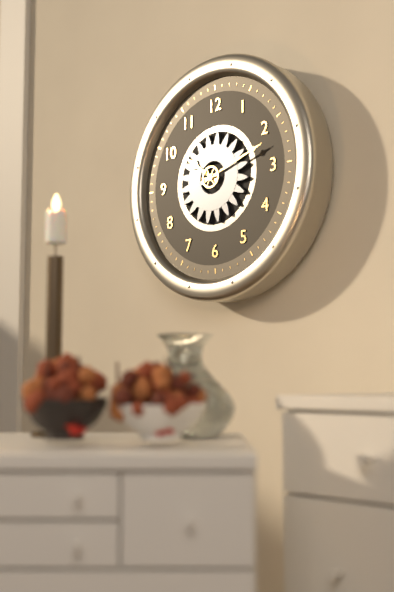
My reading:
10:12
